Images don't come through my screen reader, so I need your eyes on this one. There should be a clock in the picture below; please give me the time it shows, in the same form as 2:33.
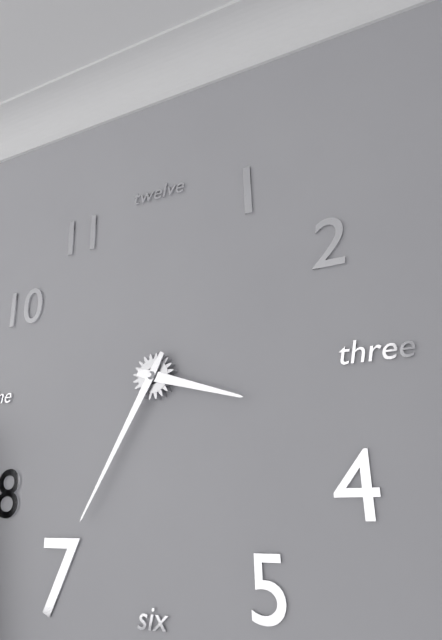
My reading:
3:35
